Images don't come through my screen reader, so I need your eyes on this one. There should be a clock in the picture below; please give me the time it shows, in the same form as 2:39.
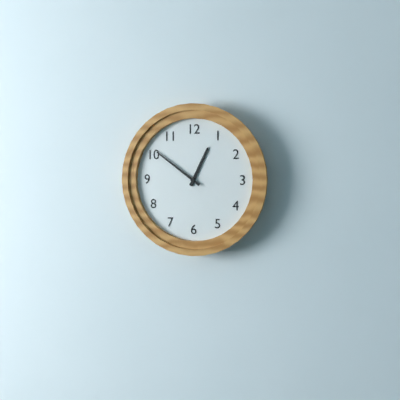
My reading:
12:51
